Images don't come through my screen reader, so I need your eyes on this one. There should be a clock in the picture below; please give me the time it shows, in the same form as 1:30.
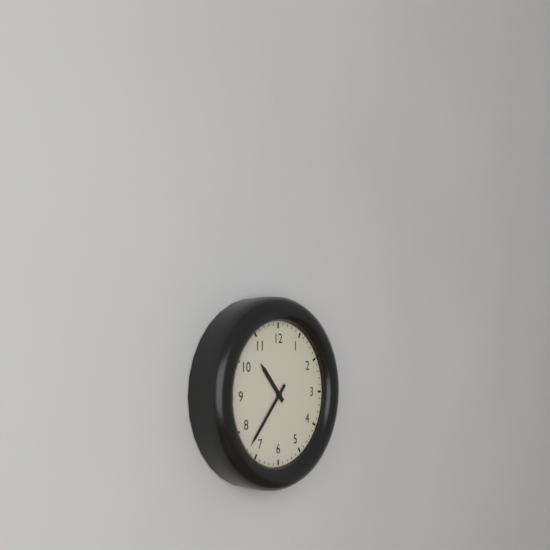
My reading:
10:37
